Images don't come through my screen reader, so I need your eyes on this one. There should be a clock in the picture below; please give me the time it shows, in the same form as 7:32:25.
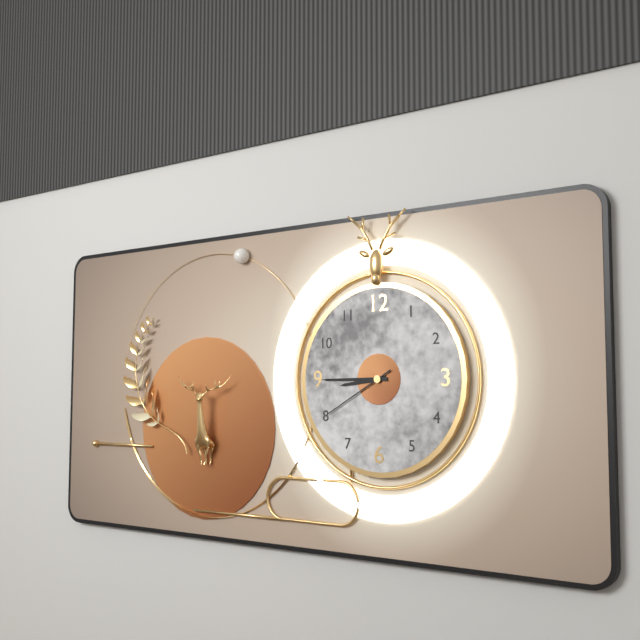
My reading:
8:45:40
